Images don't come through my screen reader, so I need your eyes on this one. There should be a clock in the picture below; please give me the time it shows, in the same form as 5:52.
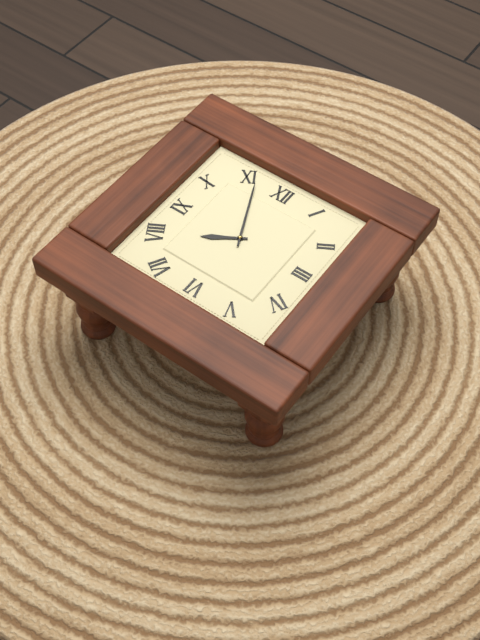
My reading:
7:56
